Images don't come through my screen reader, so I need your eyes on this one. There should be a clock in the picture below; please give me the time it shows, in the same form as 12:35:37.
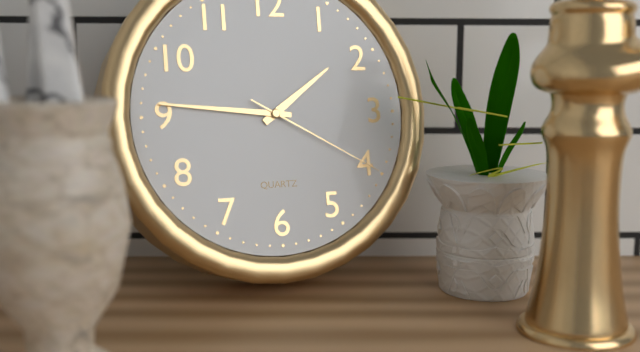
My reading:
1:46:20
